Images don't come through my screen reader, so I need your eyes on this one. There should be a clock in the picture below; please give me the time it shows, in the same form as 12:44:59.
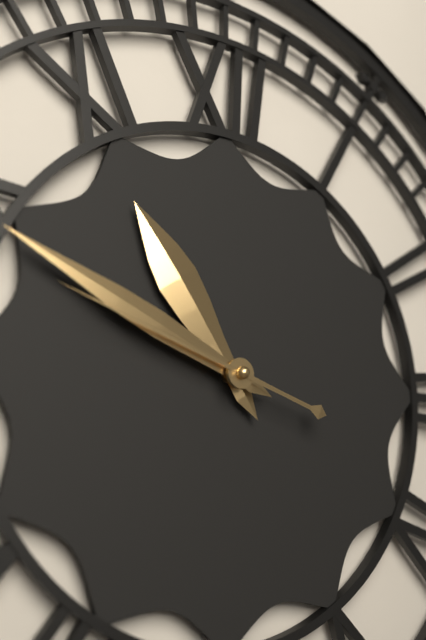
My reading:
10:49:48
